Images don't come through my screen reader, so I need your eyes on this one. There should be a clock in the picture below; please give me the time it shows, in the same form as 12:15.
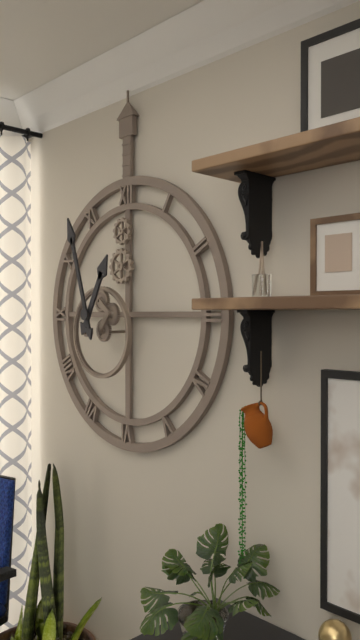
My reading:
12:57
